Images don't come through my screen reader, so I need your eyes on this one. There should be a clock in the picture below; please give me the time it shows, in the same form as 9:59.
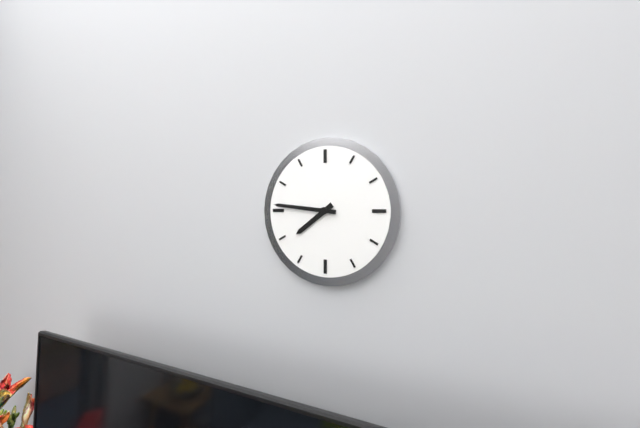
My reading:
7:46
